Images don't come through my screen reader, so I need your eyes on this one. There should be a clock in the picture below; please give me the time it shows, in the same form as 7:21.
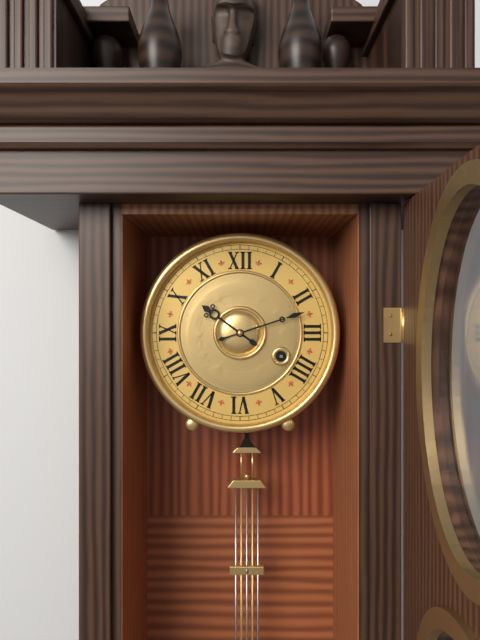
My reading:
10:12
